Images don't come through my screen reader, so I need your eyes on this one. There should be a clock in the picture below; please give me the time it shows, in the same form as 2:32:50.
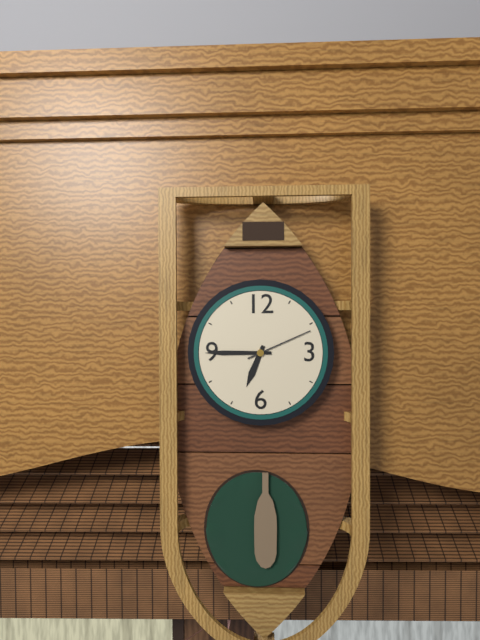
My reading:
6:45:11
